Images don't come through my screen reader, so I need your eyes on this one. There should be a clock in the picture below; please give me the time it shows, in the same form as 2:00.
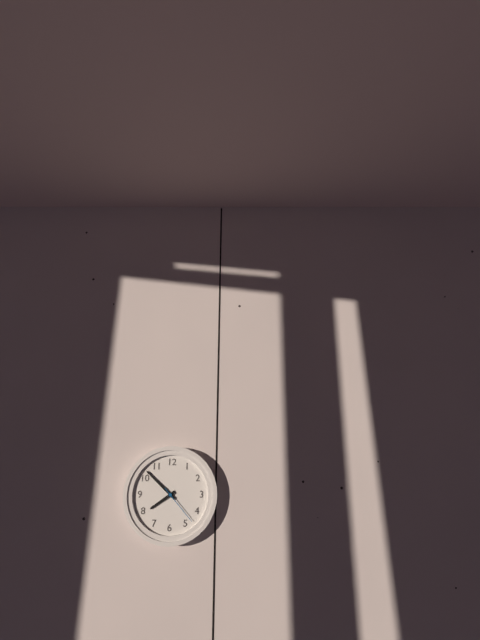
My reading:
7:52
